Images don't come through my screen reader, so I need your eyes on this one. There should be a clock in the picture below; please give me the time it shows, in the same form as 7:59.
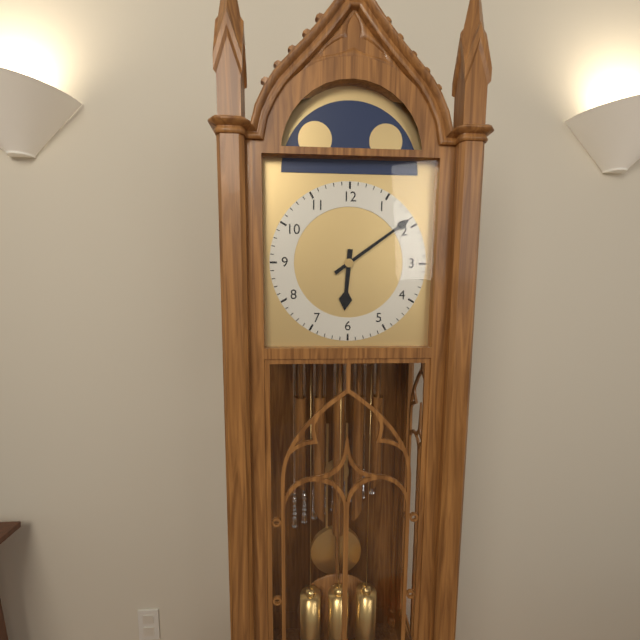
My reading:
6:09
